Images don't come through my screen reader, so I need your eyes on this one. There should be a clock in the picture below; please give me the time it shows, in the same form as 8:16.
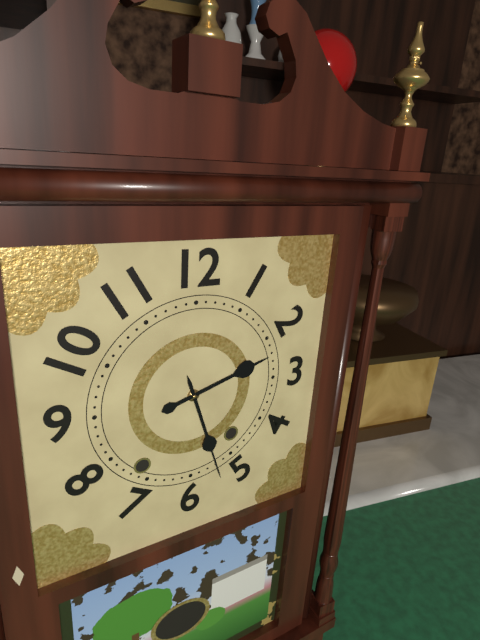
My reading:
2:27
